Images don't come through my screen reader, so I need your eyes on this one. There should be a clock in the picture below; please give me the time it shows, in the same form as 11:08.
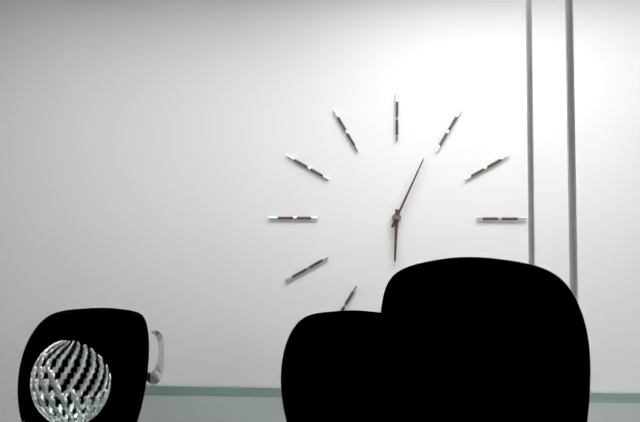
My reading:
6:04
